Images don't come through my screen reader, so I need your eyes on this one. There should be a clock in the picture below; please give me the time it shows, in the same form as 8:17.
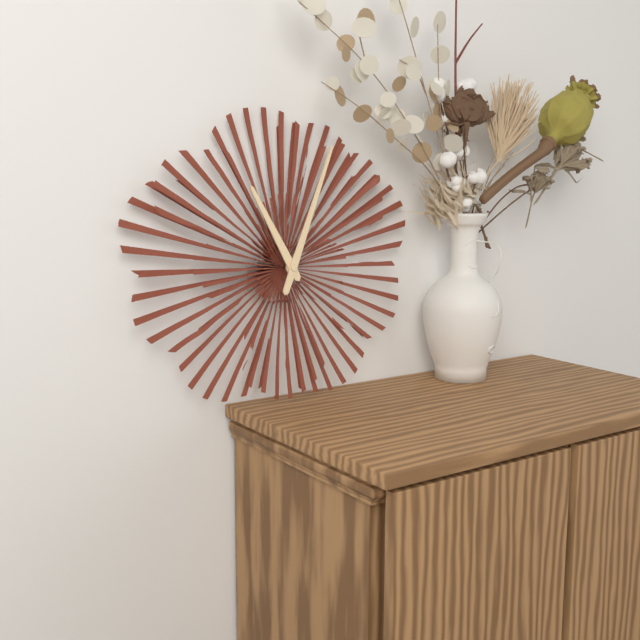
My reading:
11:04
